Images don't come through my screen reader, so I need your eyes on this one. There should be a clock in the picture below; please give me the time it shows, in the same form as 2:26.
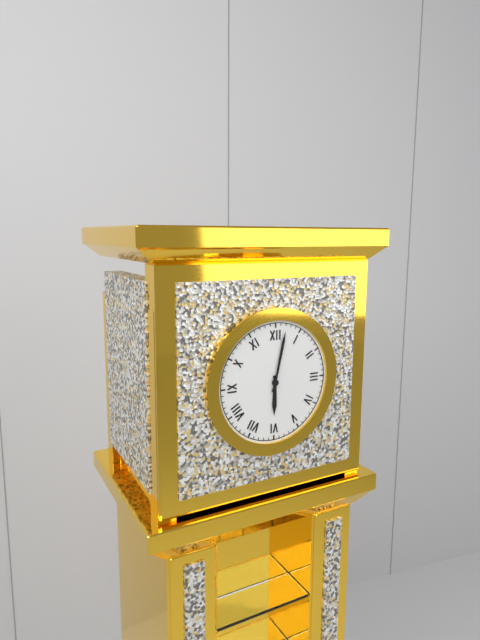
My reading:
6:02
